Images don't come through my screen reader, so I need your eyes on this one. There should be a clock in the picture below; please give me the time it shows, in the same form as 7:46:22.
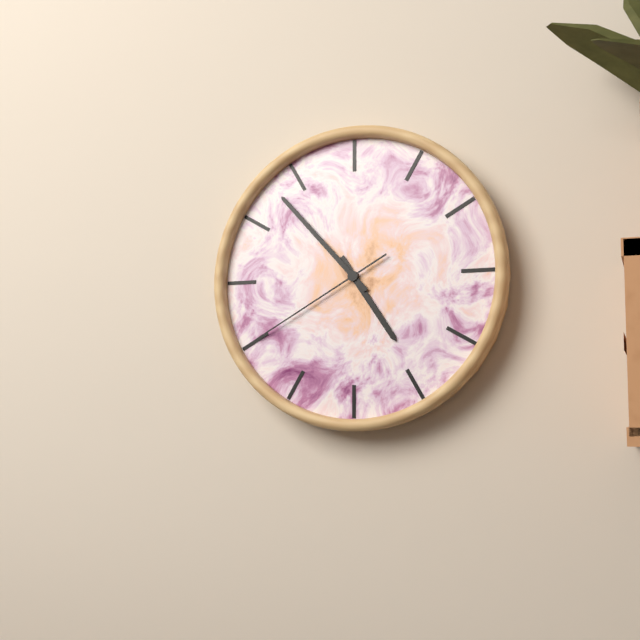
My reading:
4:53:40
